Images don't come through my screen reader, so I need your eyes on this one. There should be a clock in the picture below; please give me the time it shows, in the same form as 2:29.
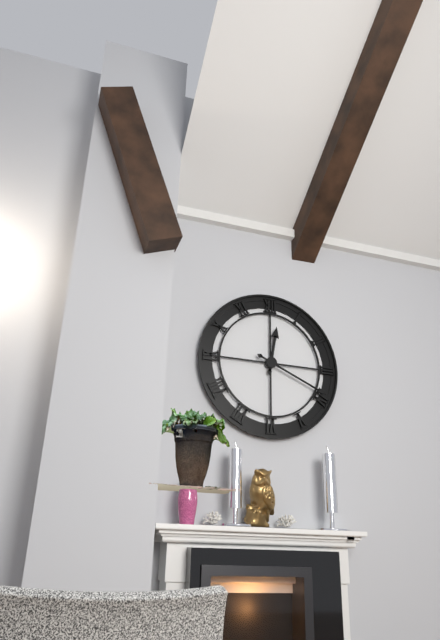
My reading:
12:19
